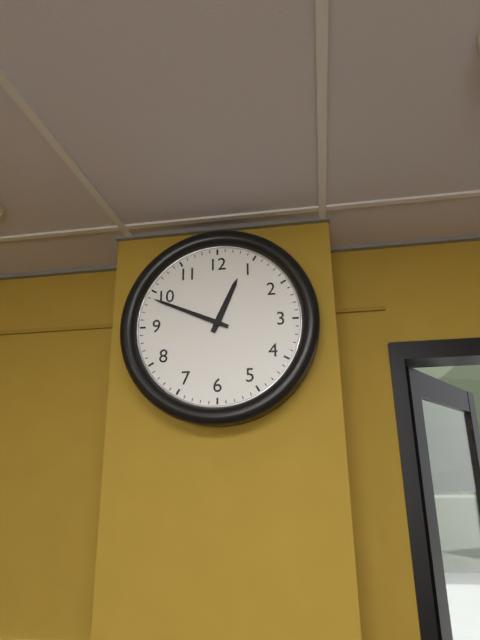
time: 12:49
